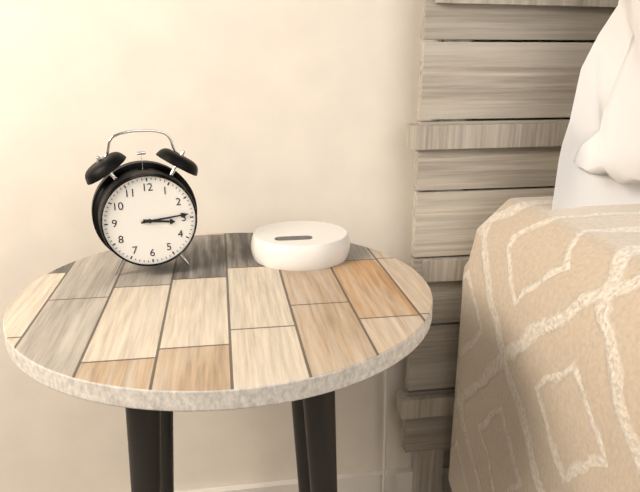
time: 3:14
